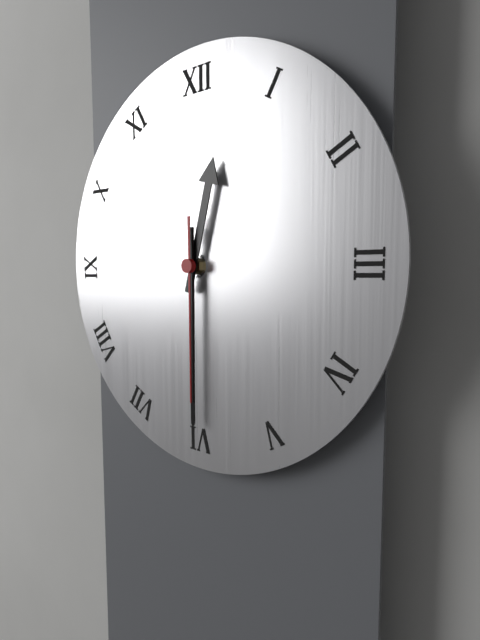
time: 12:30:30
